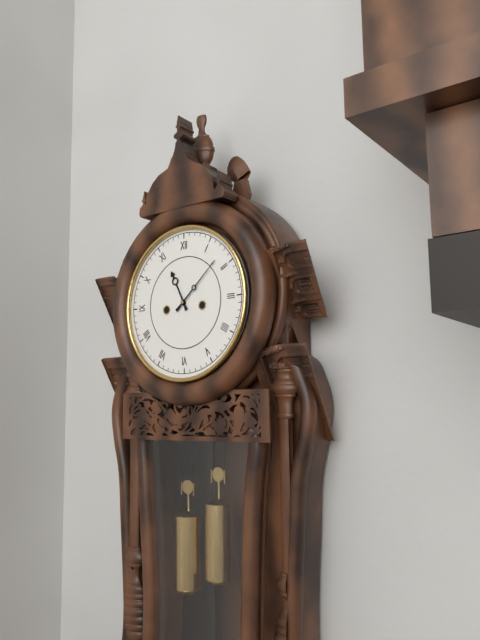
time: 11:08
